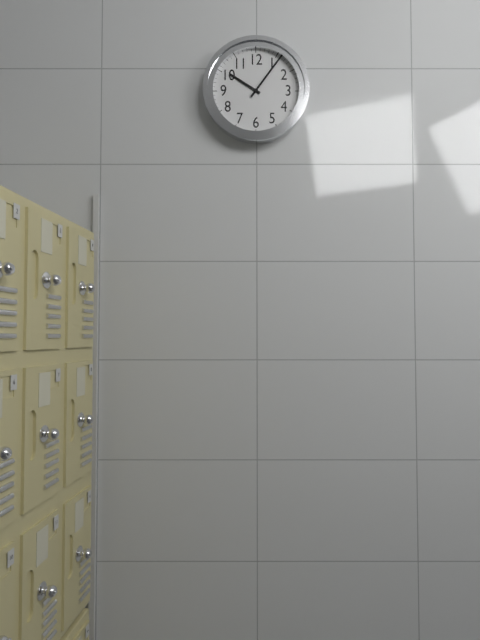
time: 10:06
